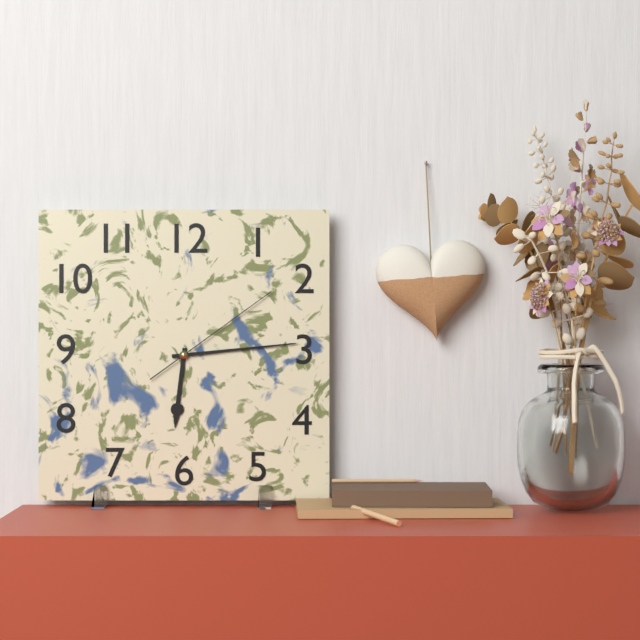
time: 6:14:09
